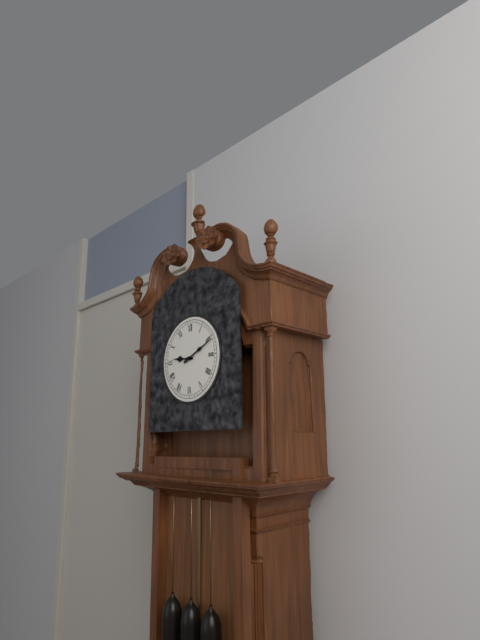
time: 9:11
